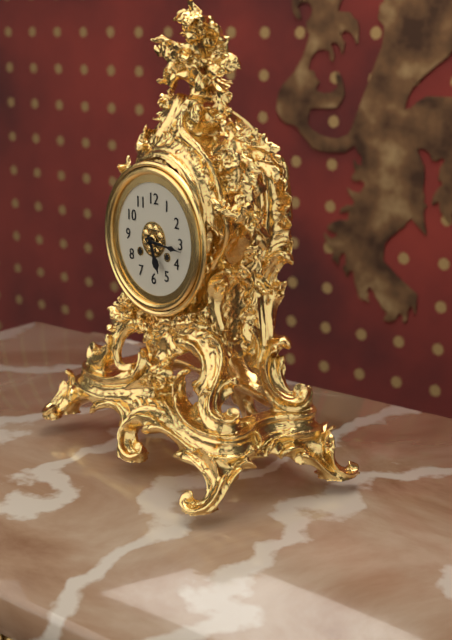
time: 5:16
